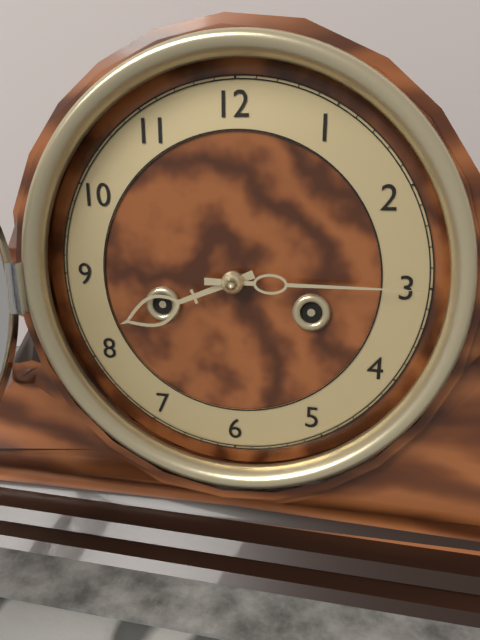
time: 8:15
